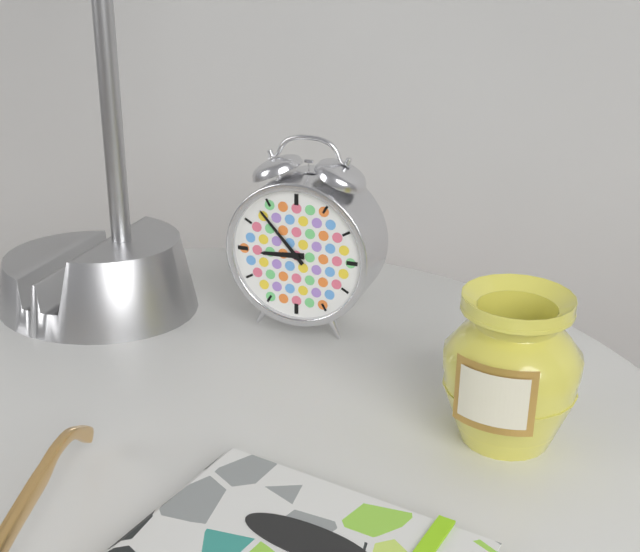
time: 8:53
